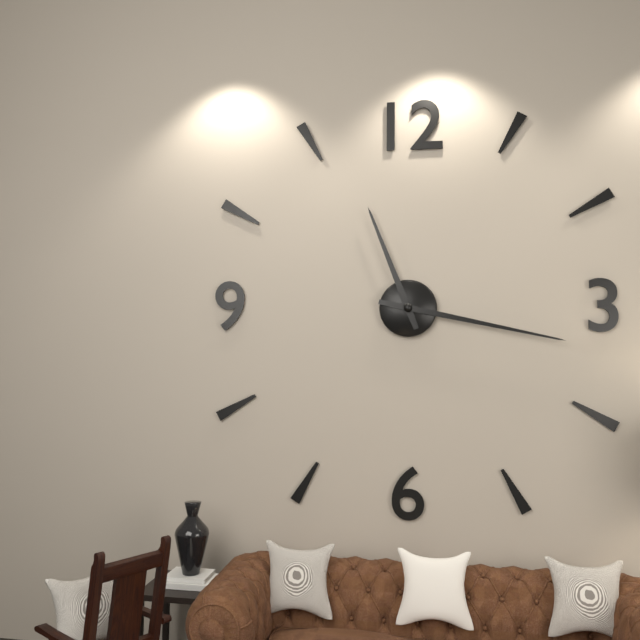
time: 11:17
